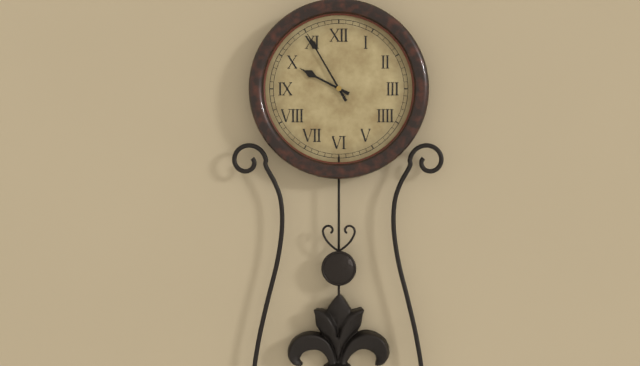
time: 9:55
